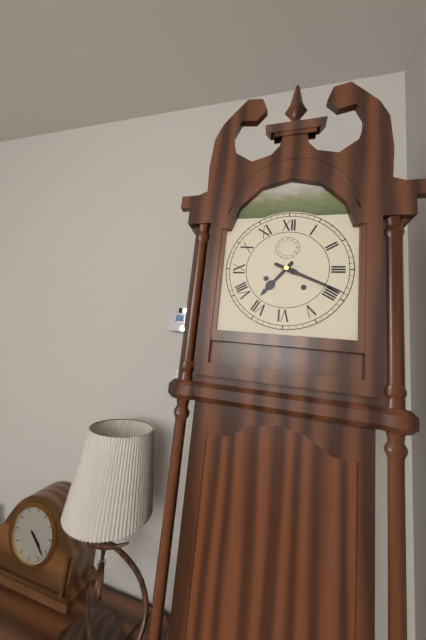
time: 7:19
